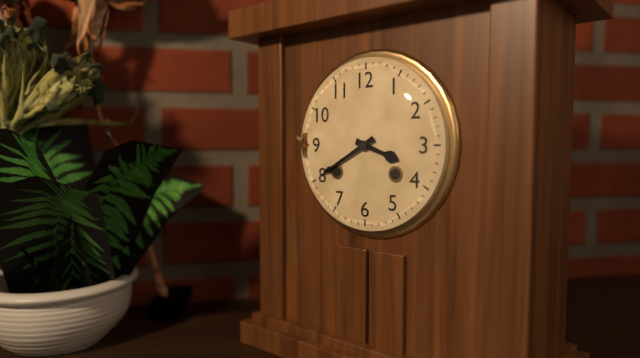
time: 3:40
